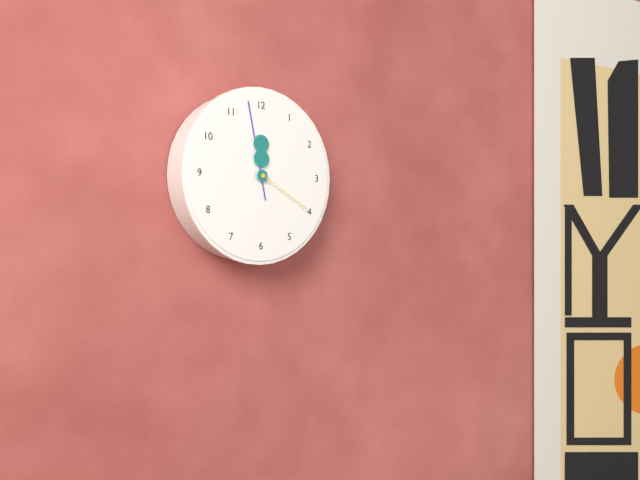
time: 11:58:20
